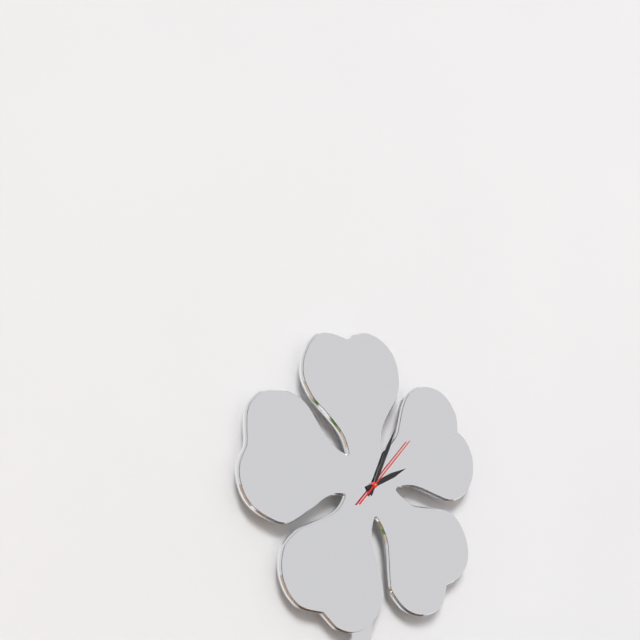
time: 2:04:07
